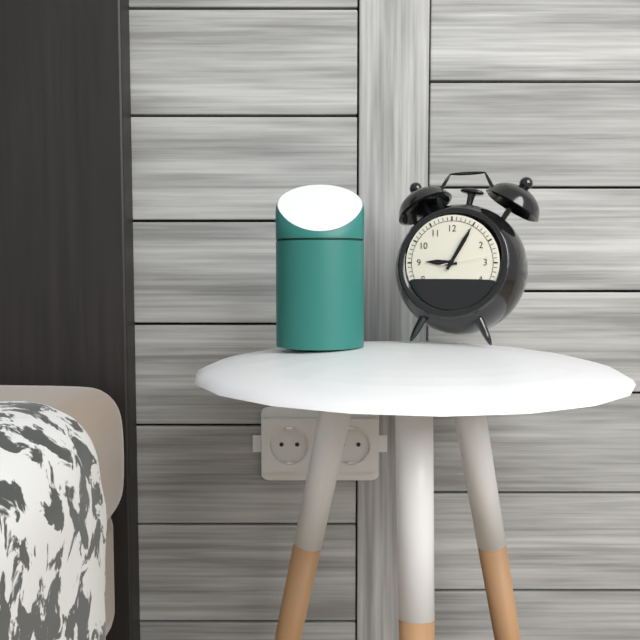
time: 9:05:13
